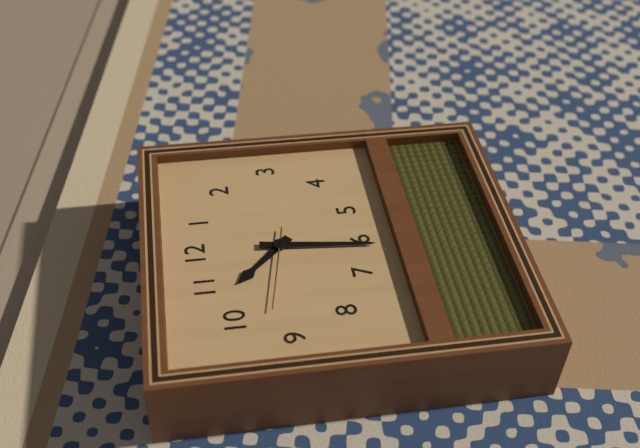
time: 10:31:47
